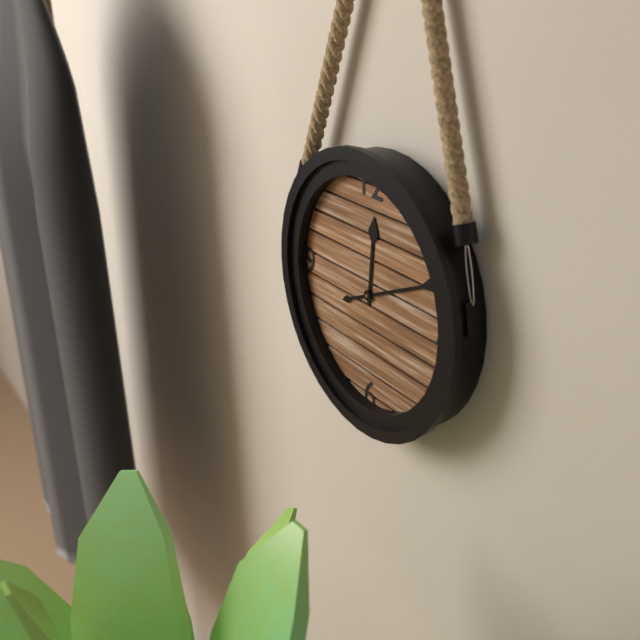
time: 12:11
